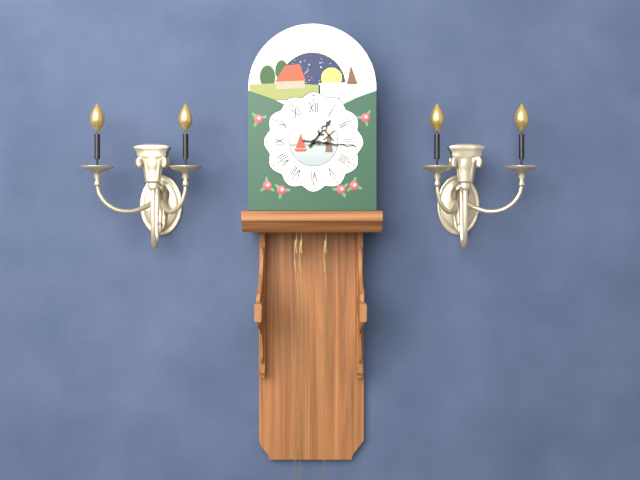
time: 1:16
